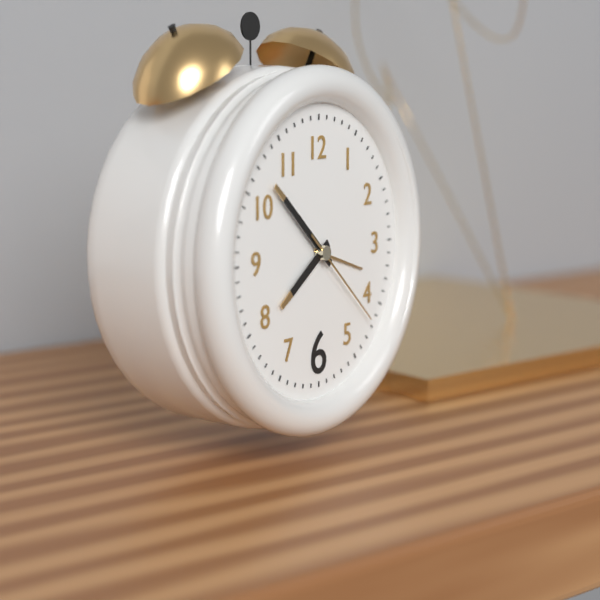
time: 7:52:22
